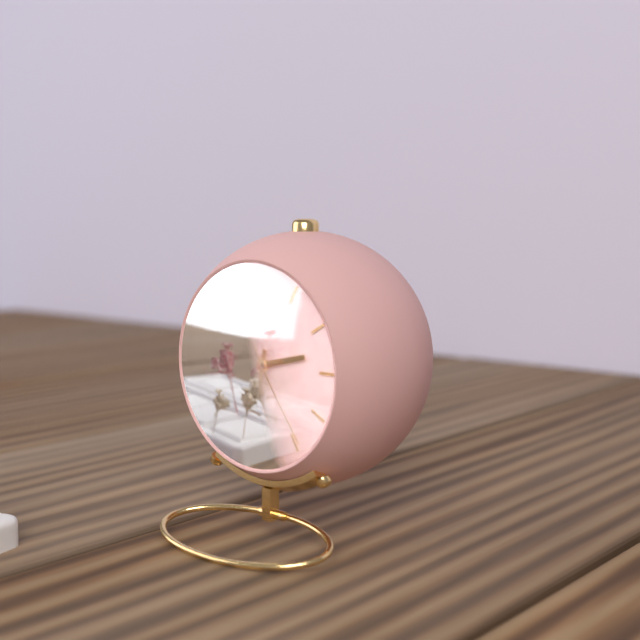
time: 2:33:24
